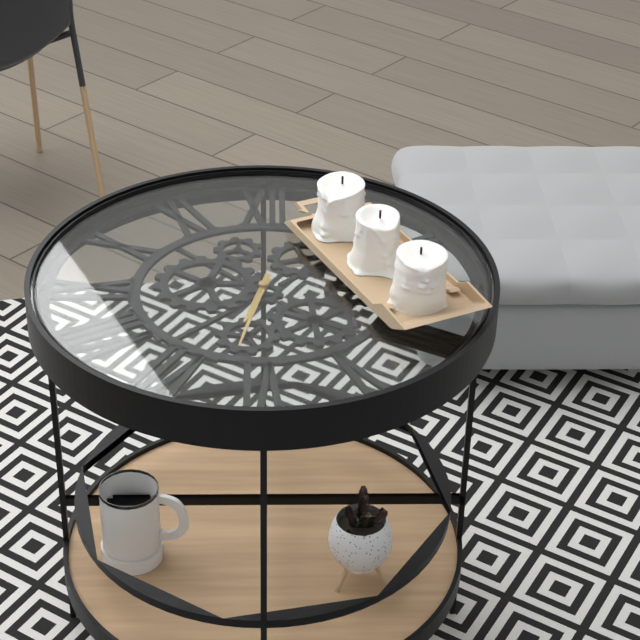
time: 6:32
